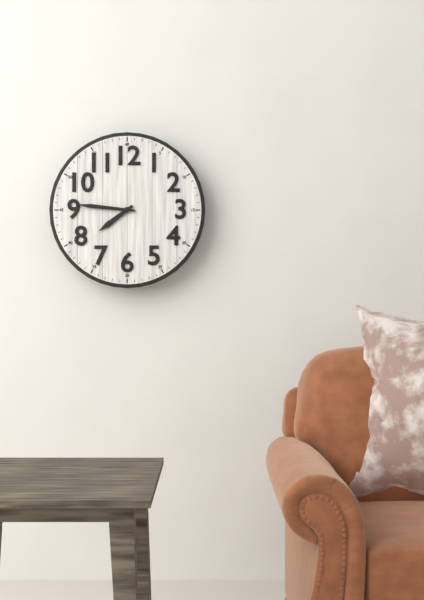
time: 7:46
